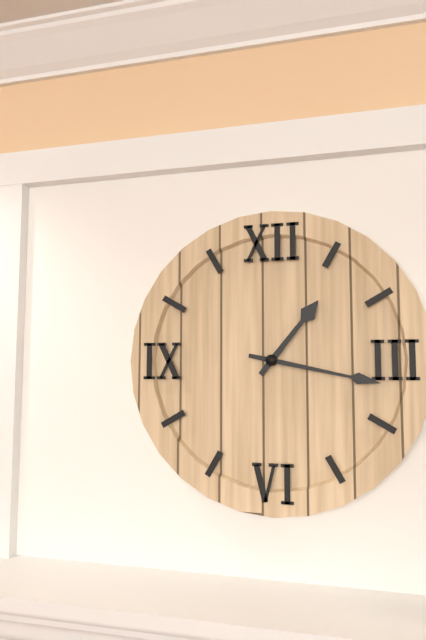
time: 1:17
